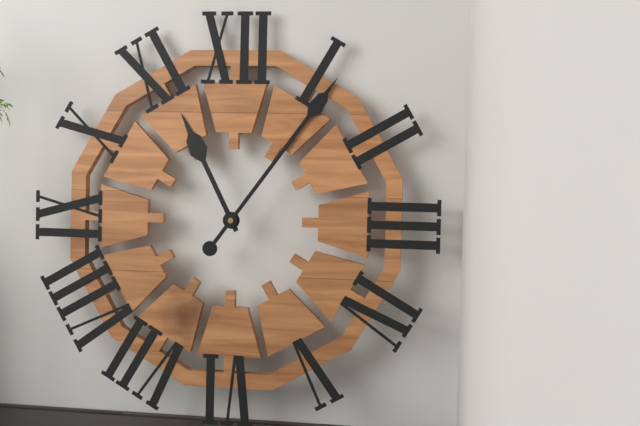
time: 11:06
